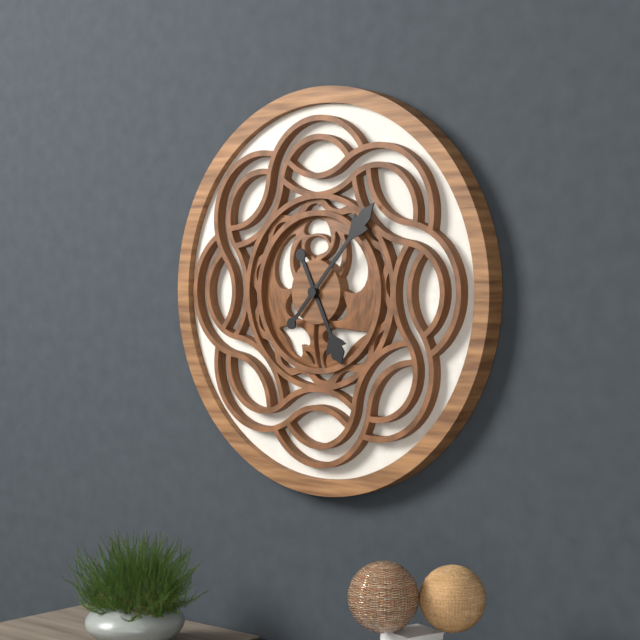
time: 5:07
